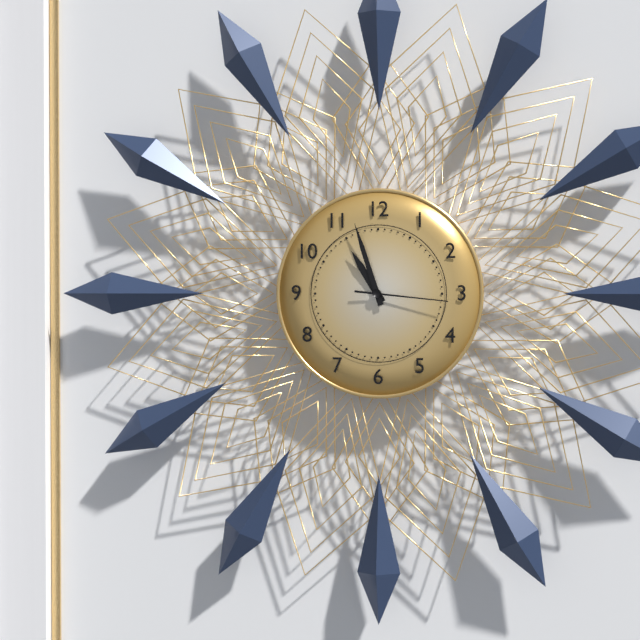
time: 10:57:16
